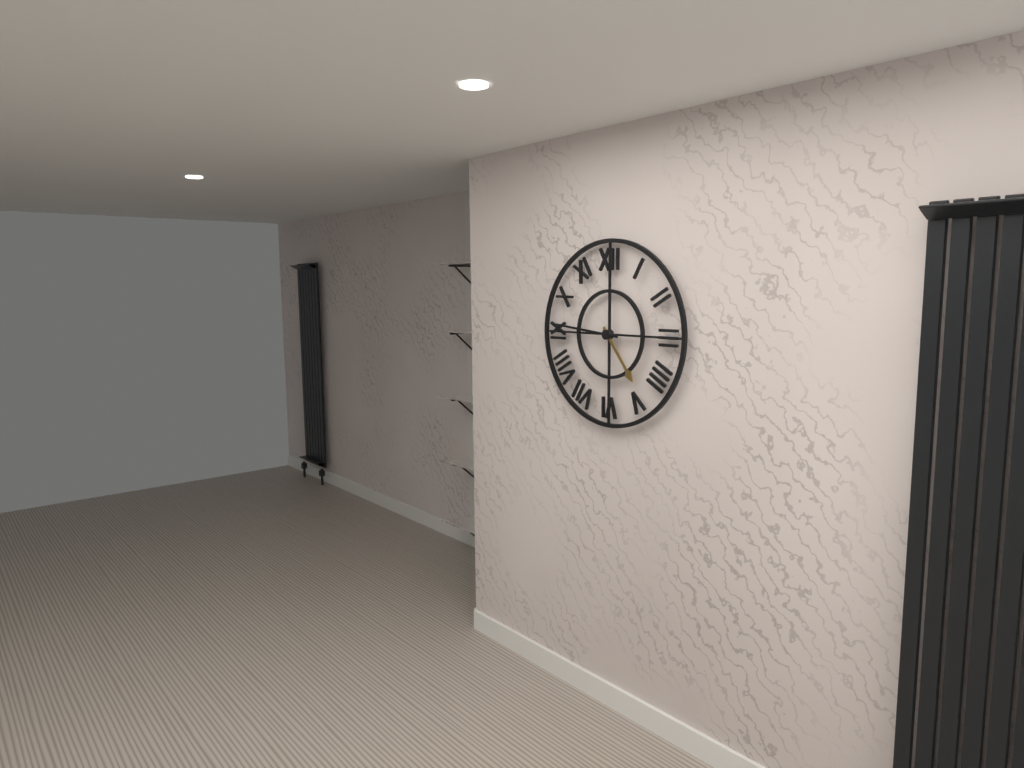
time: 4:46
